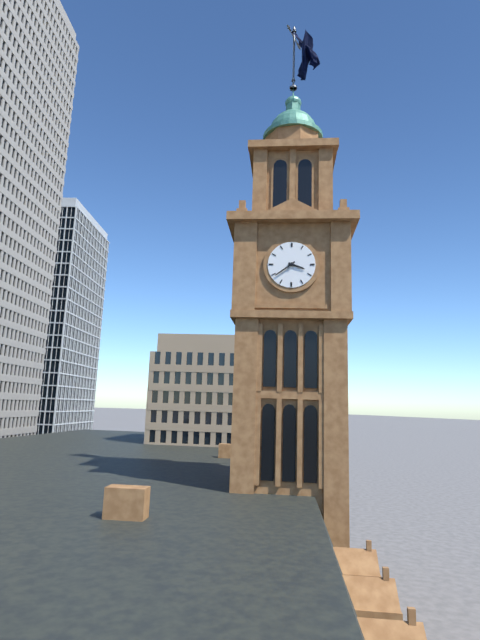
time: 3:39
